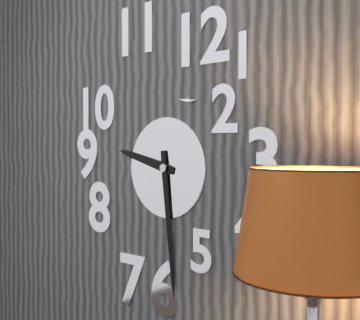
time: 9:29
